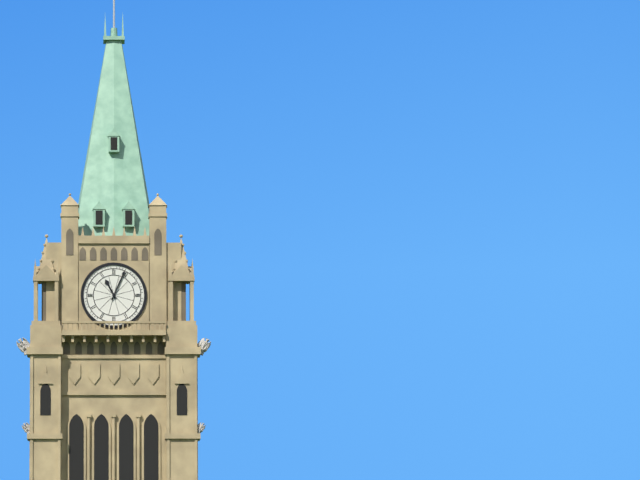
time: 11:04
